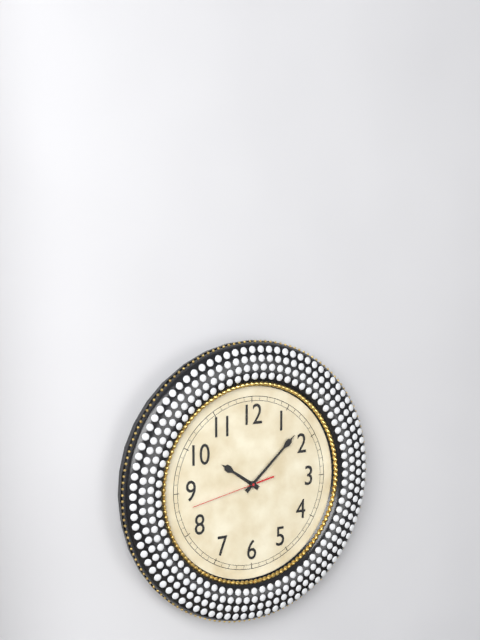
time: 10:08:43
